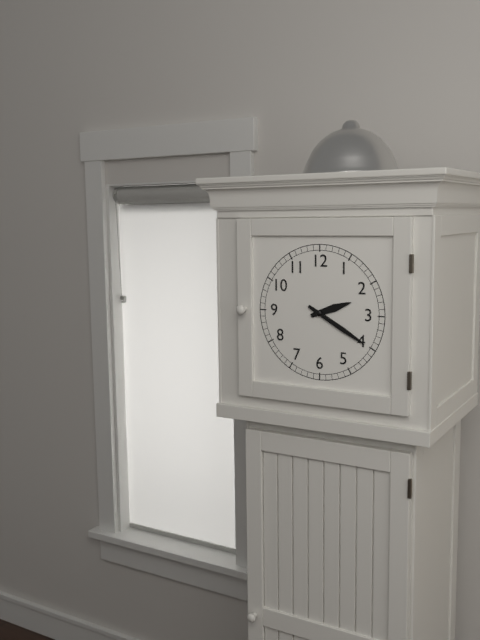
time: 2:20
